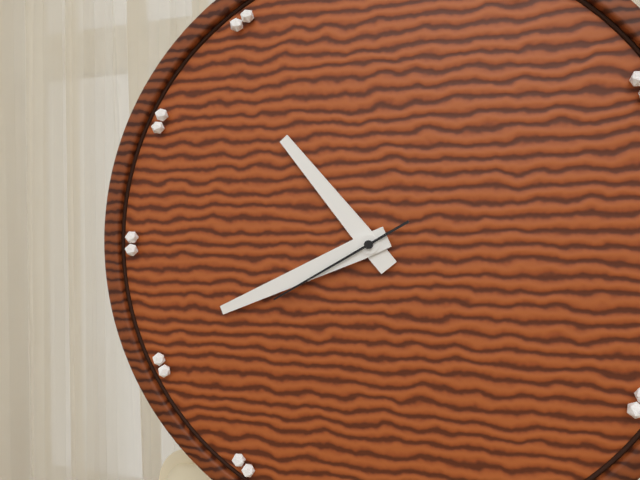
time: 10:41:40
